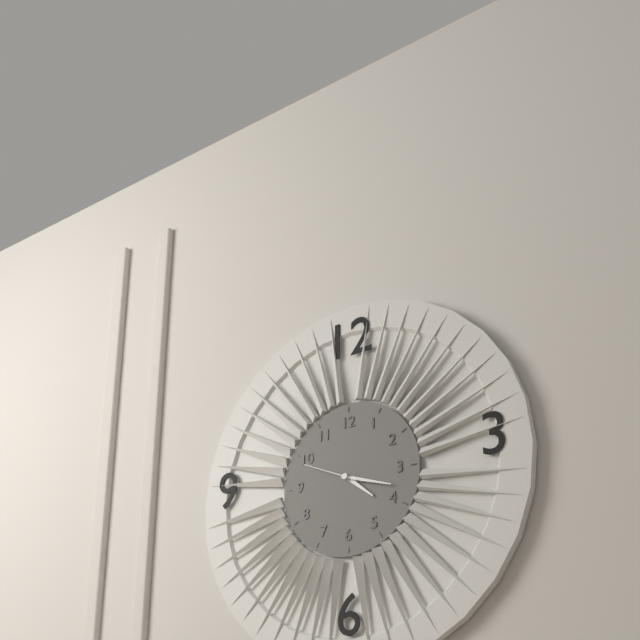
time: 4:18:49
